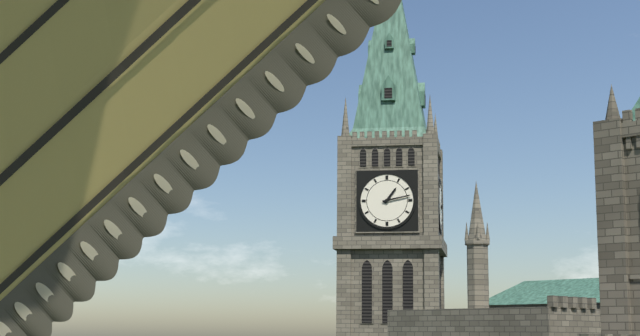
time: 1:13
